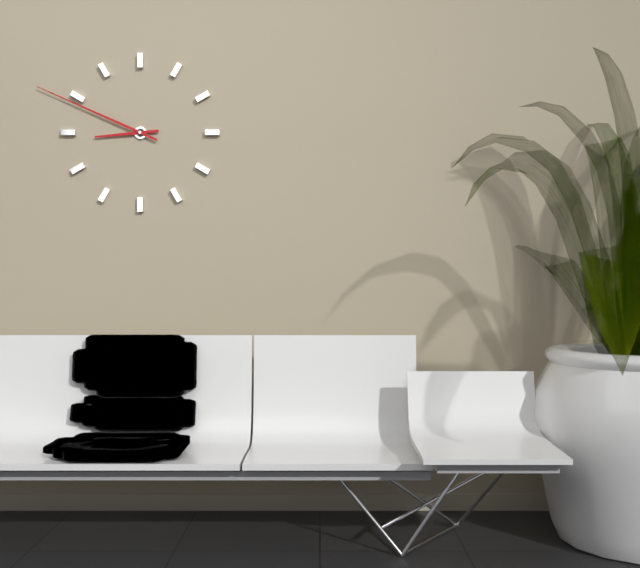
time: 8:49
